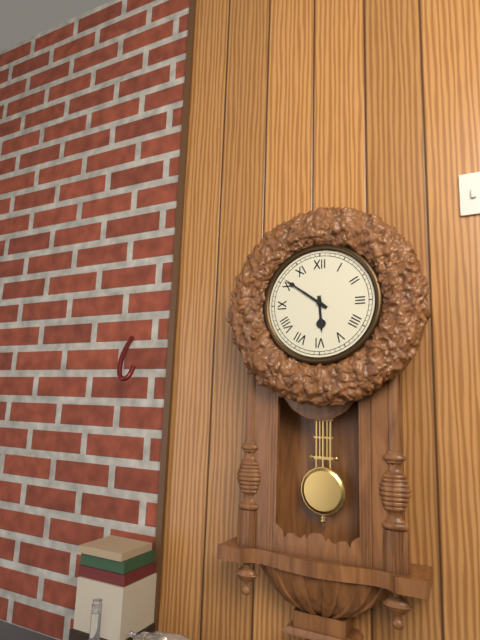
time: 5:51
